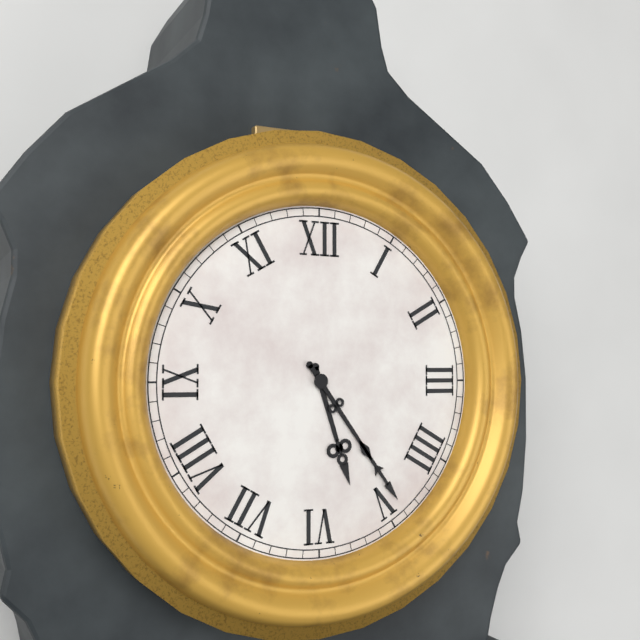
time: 5:24
